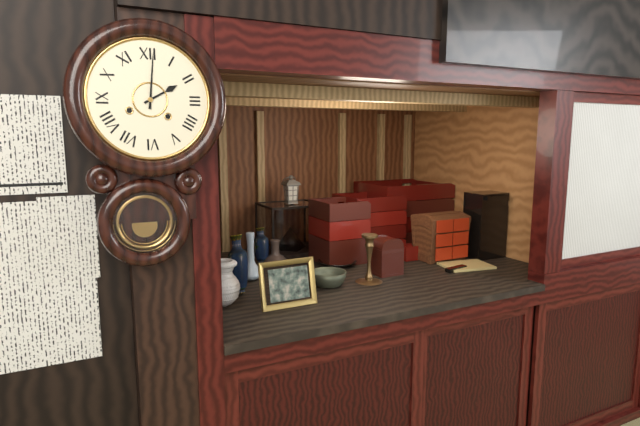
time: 2:01
